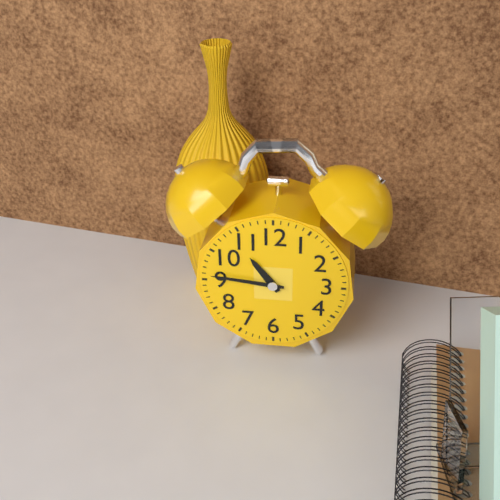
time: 10:46
